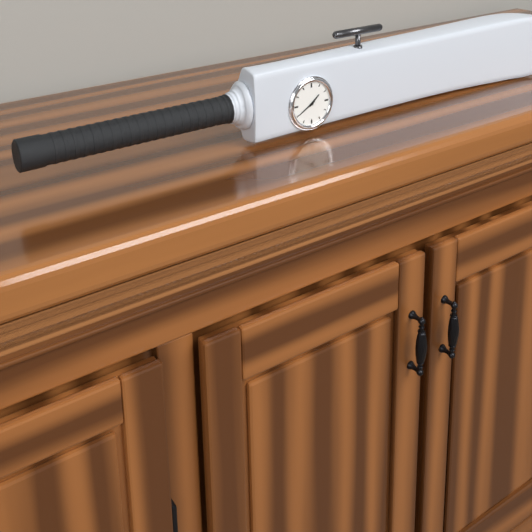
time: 1:40
